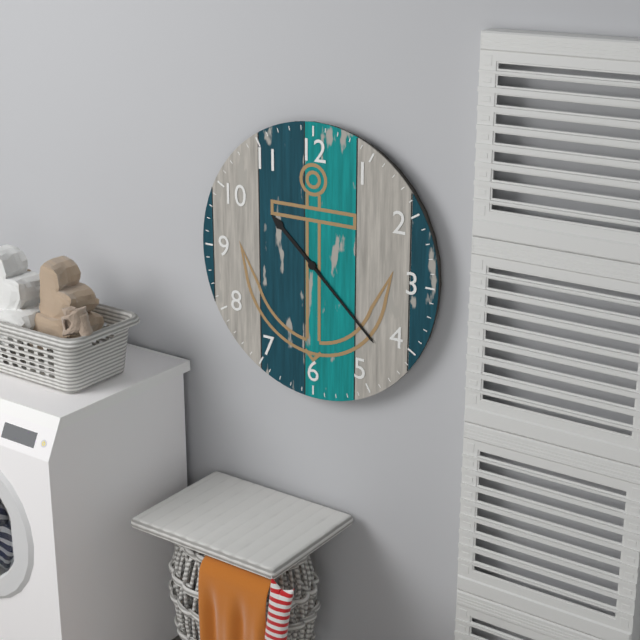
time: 10:22
